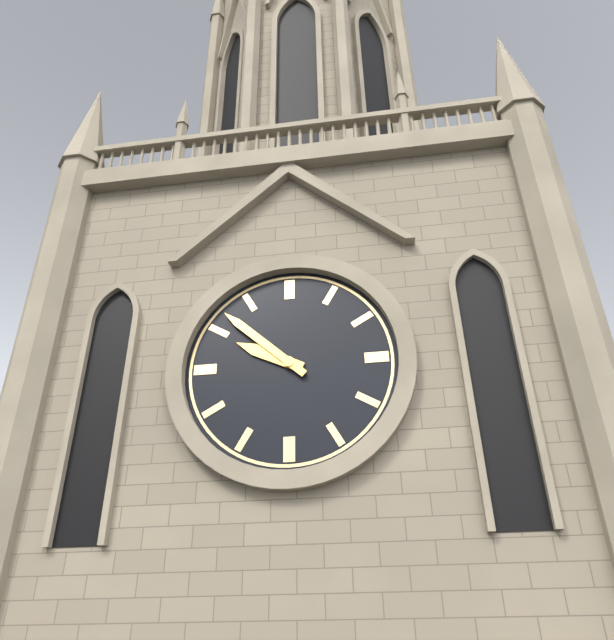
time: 9:52
